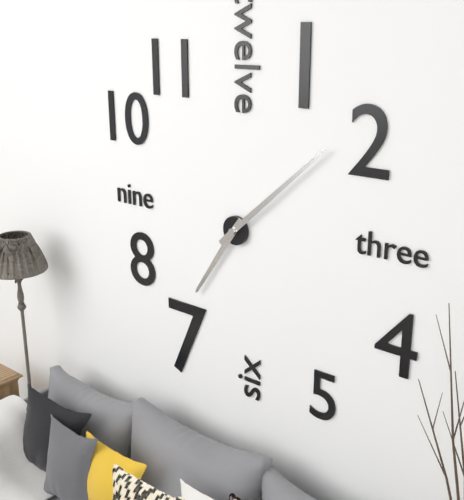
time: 7:08
